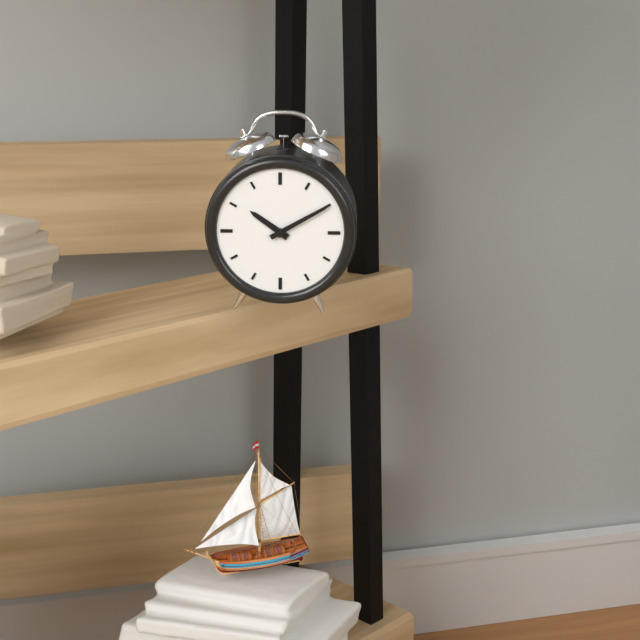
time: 10:10
